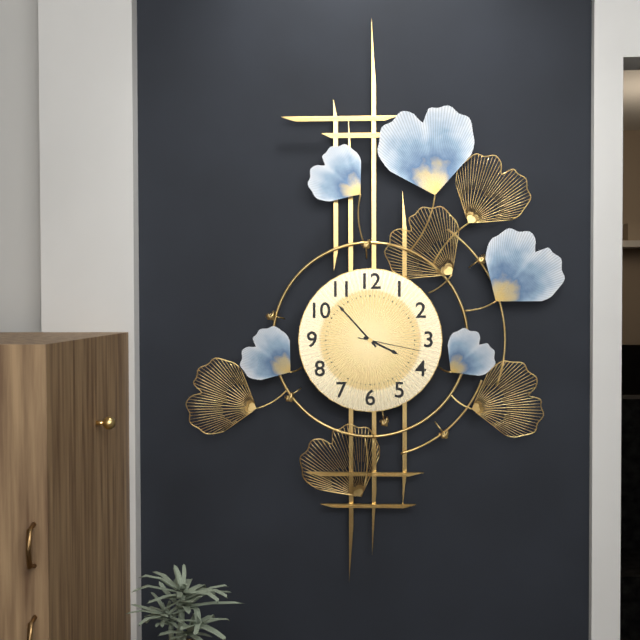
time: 3:53:17
